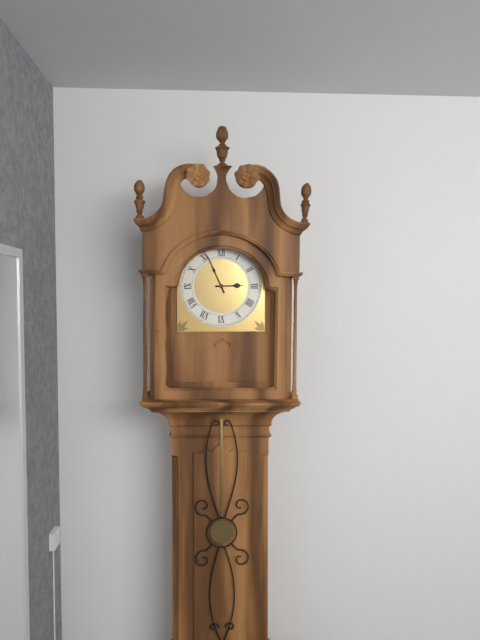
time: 2:56
